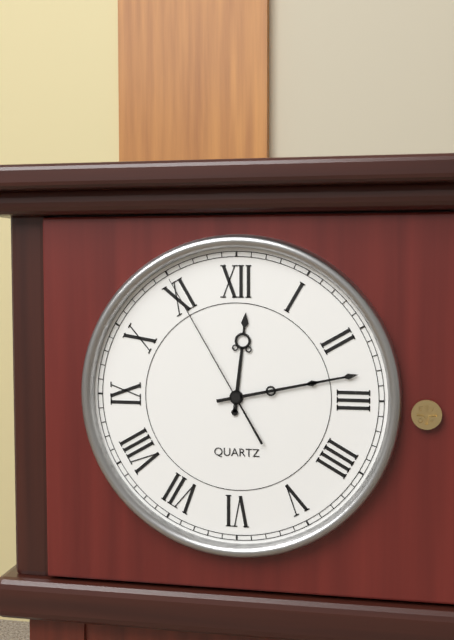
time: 12:13:55
